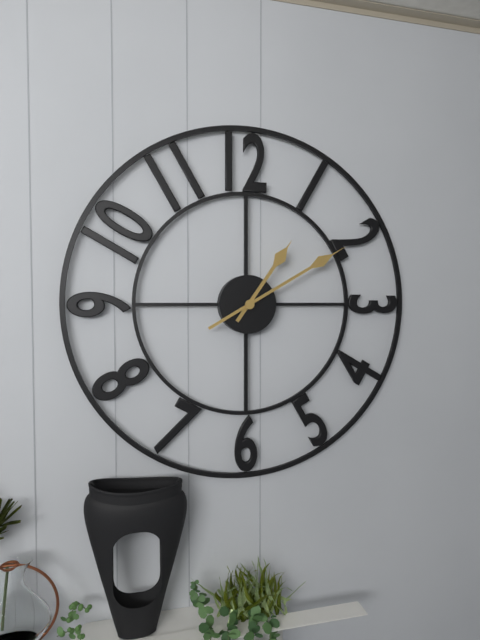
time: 1:10
